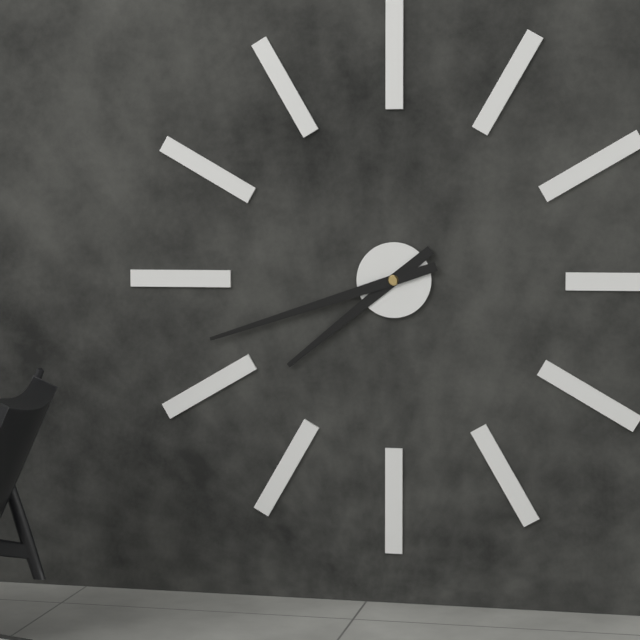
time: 7:42
